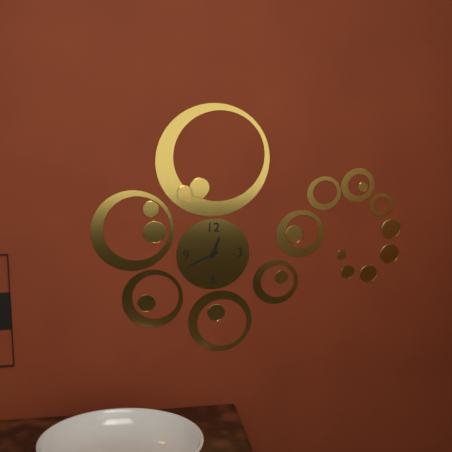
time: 12:41
